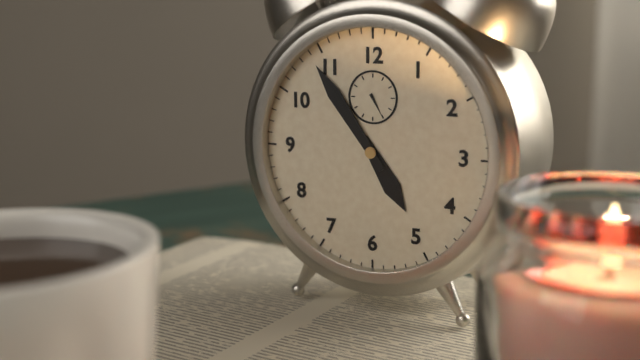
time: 4:54
